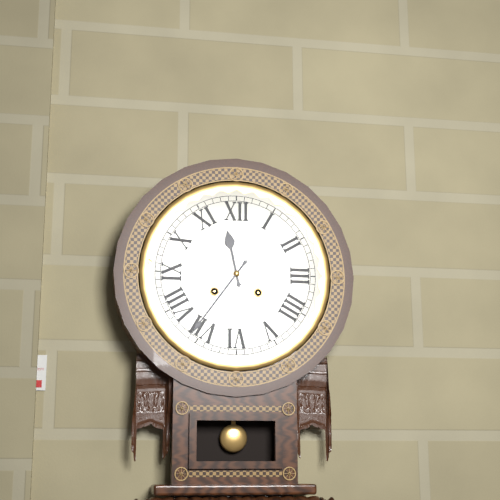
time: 11:36
